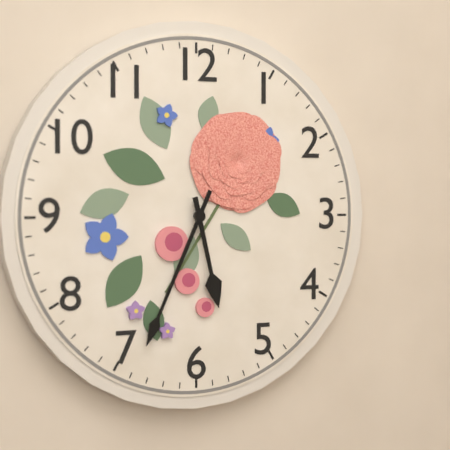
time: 5:34
